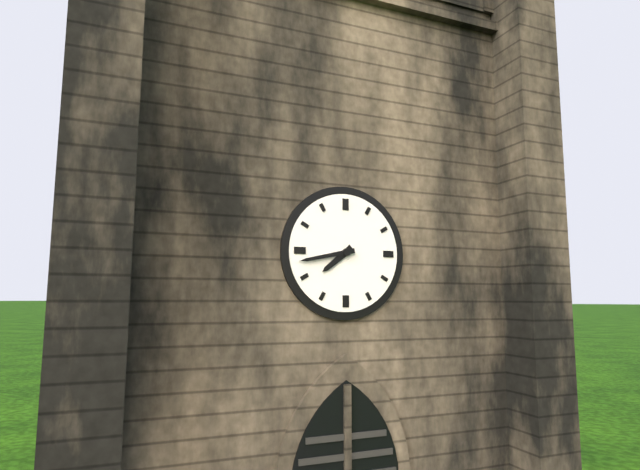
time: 7:43
